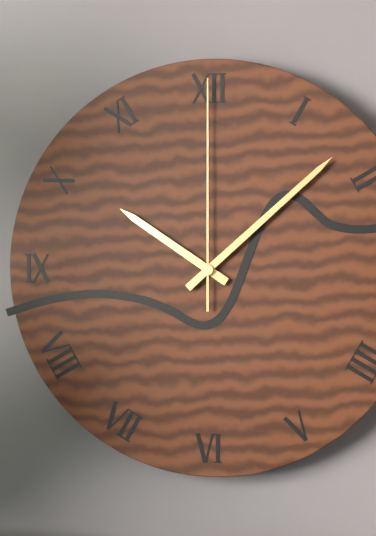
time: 10:08:00
